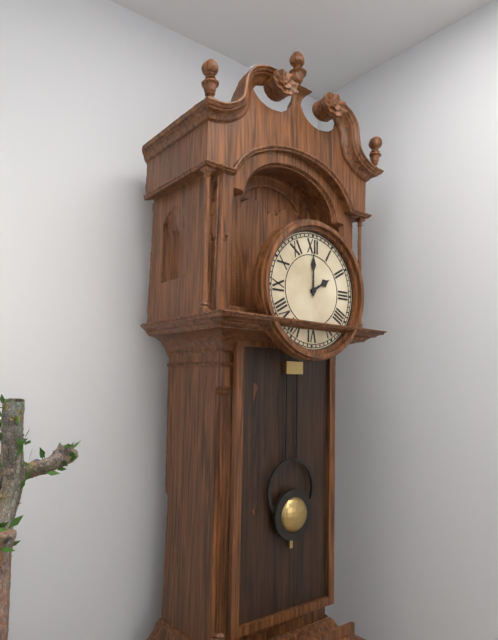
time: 2:00
